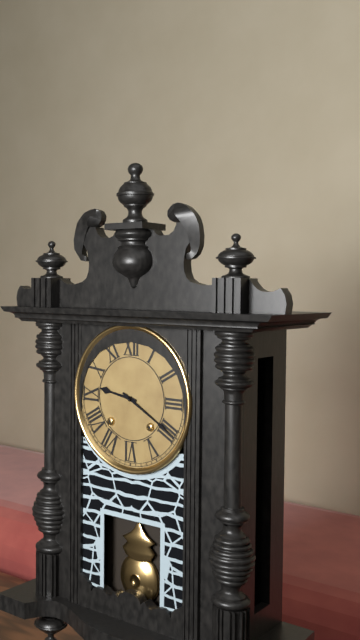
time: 9:20
